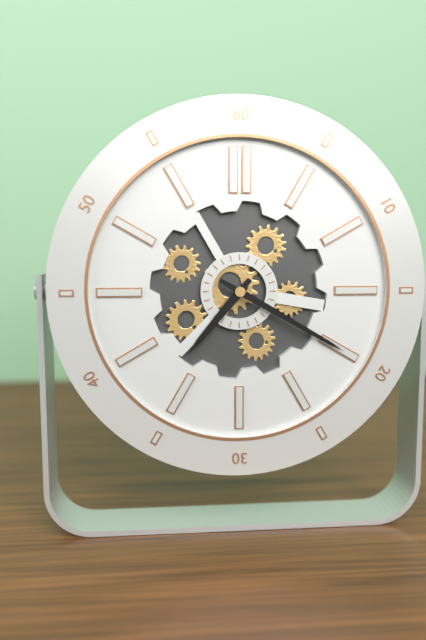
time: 7:20
